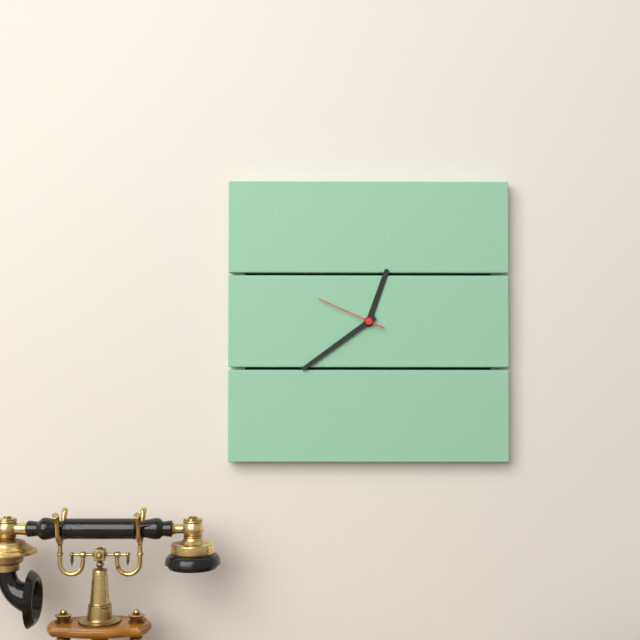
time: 12:39:49
